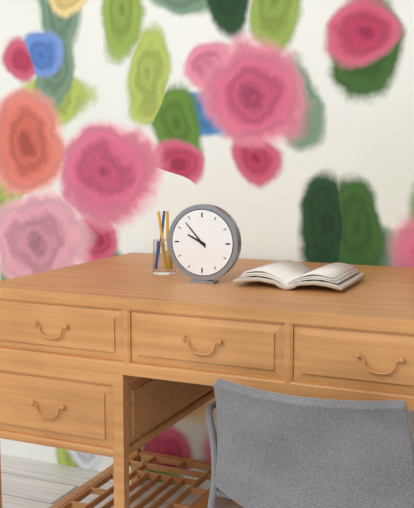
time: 9:53
